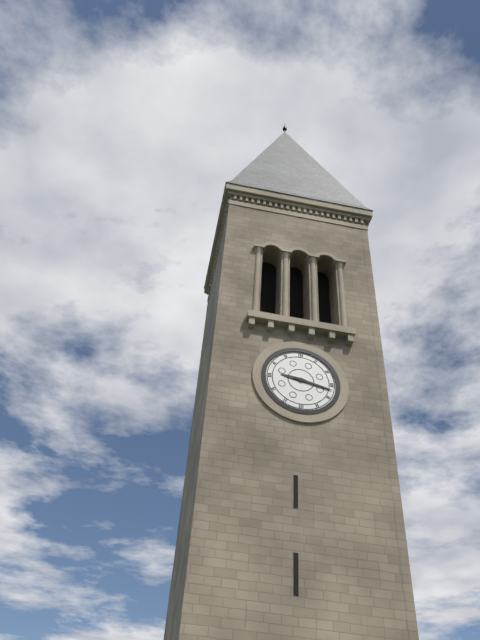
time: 9:17
